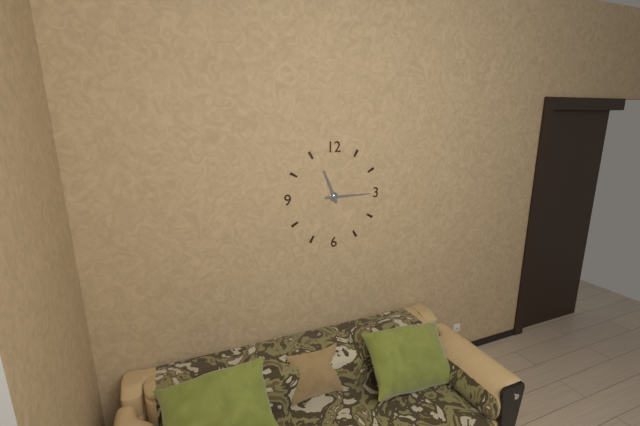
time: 11:15
